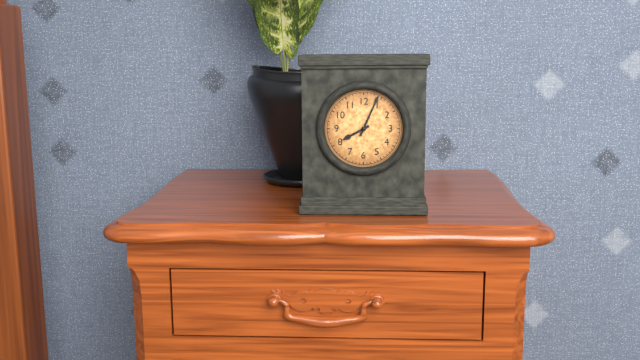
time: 8:04
